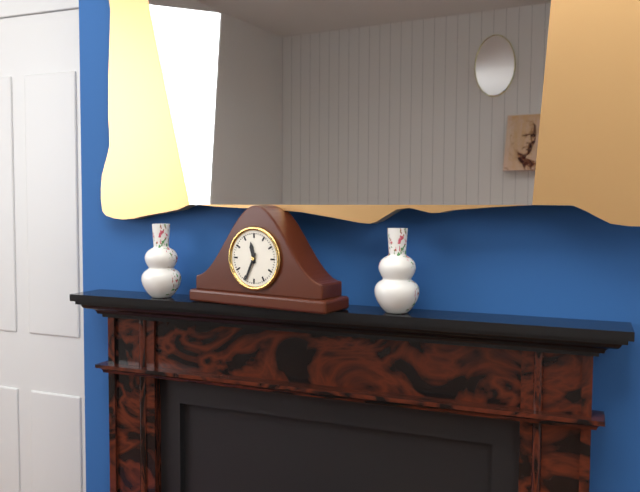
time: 11:34
